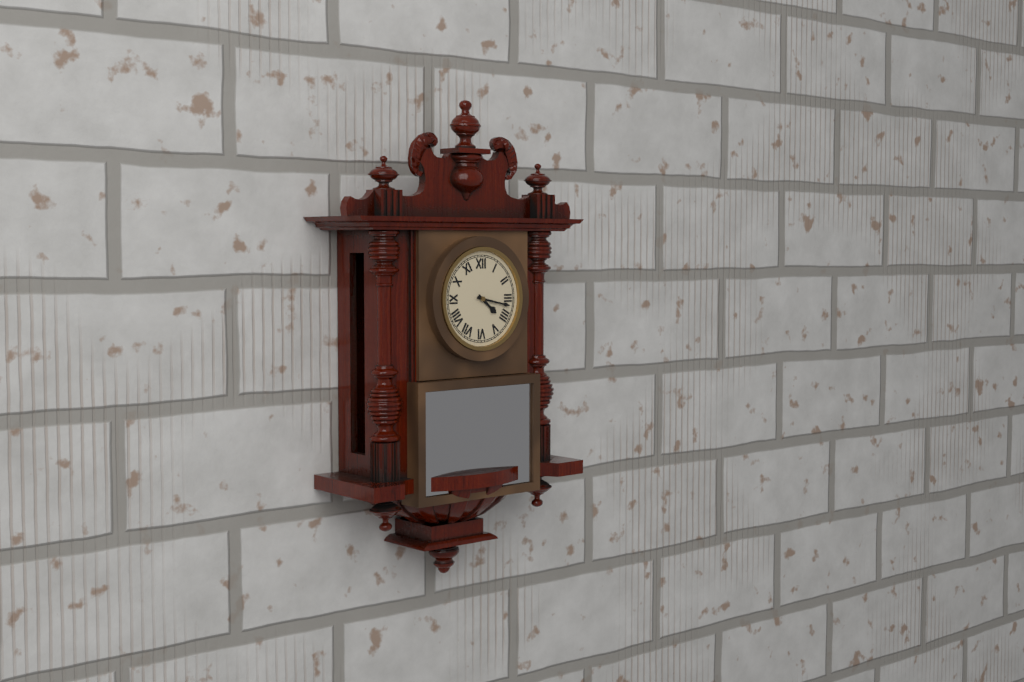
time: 4:17
